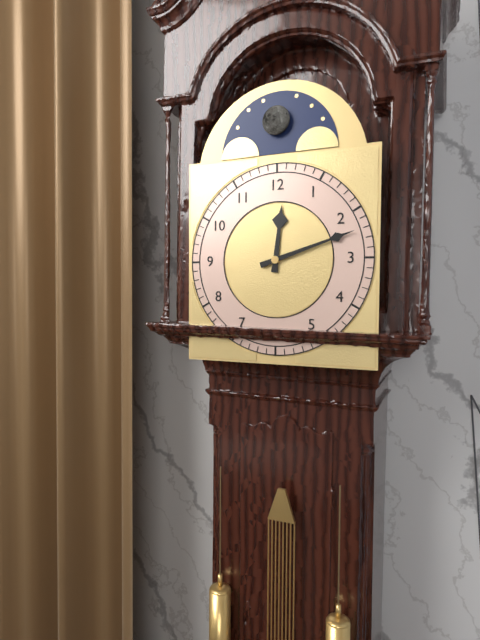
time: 12:12
